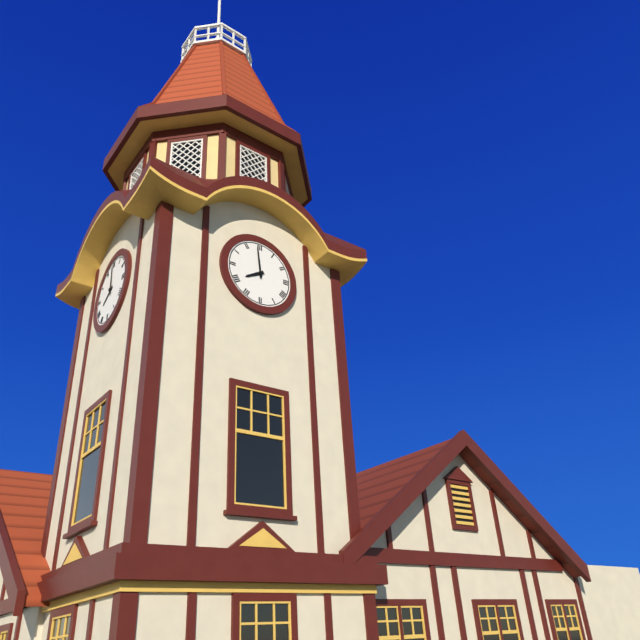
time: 7:59
